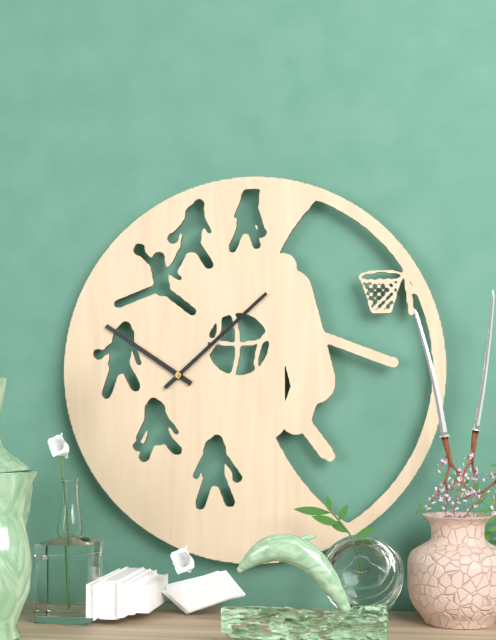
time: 10:08
